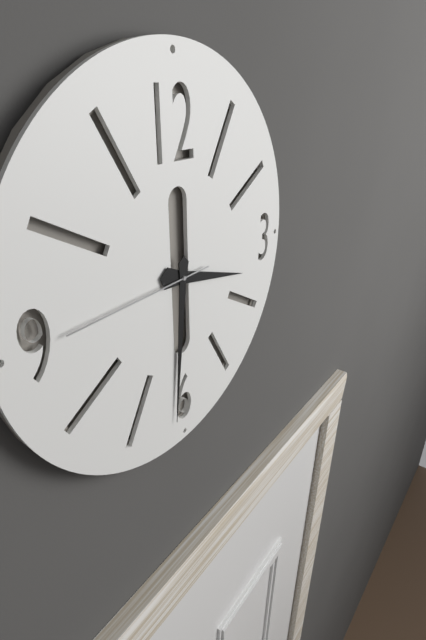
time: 3:31:45
